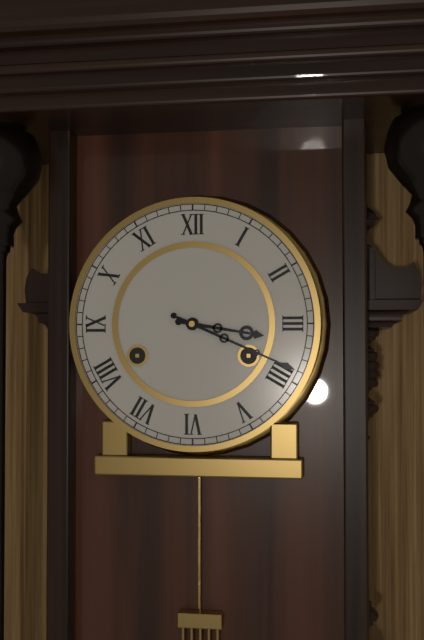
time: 3:19
